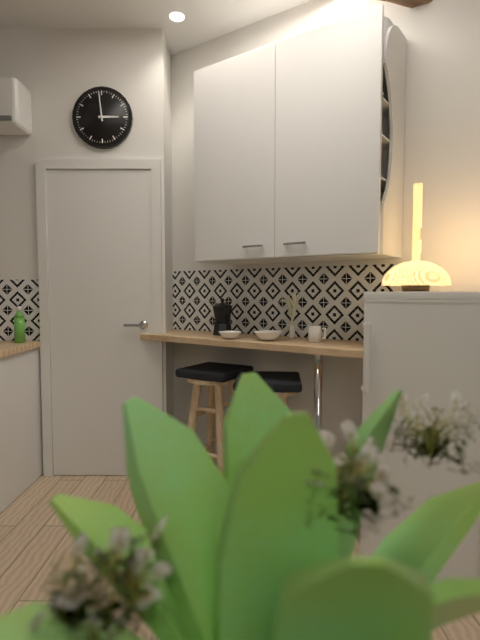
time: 2:59
